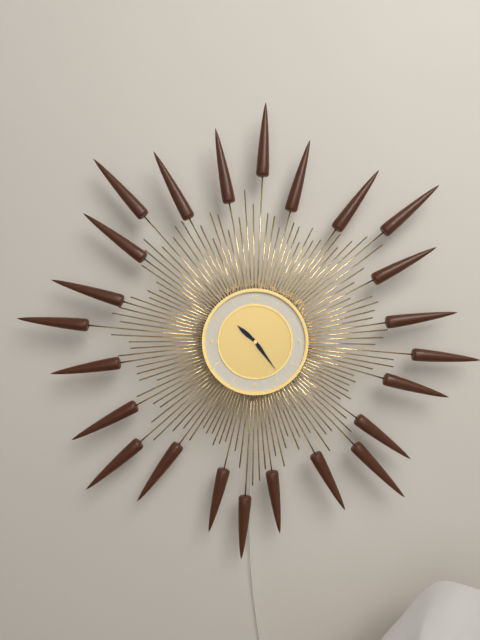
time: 10:24
